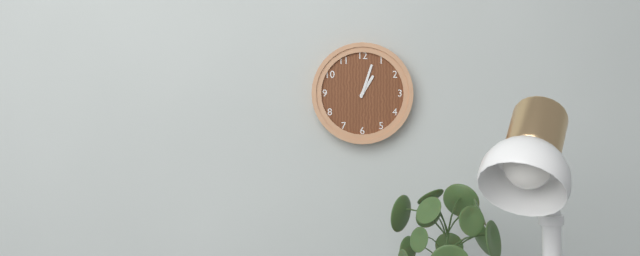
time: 1:03
